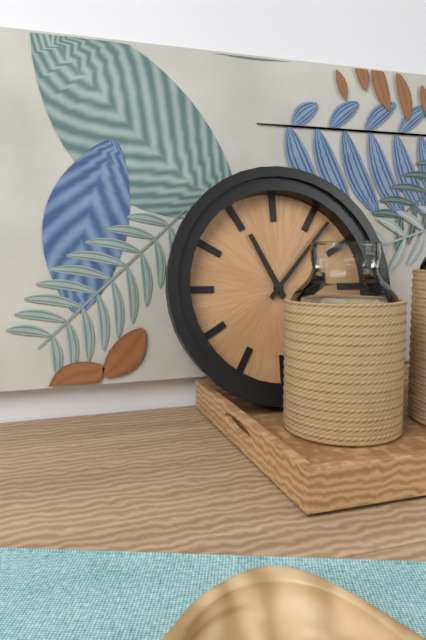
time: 11:07
